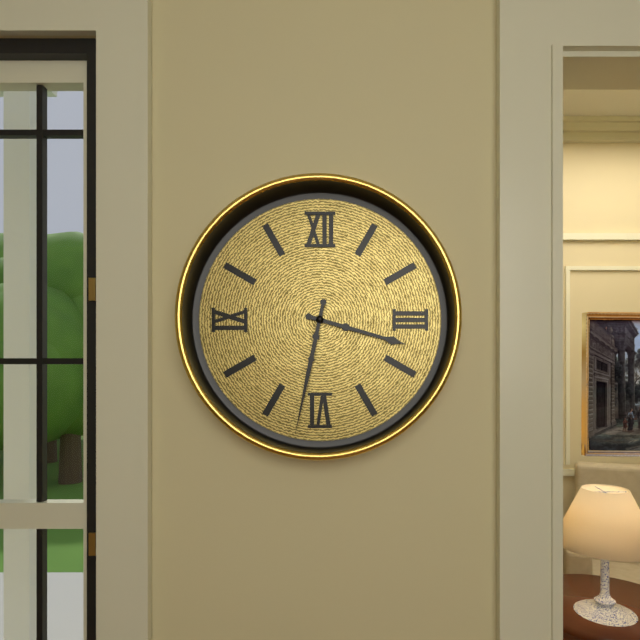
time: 3:32
